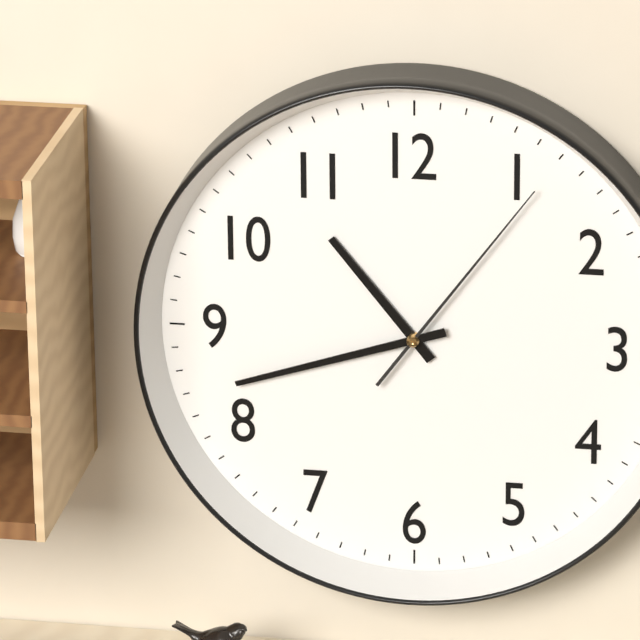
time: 10:42:06
